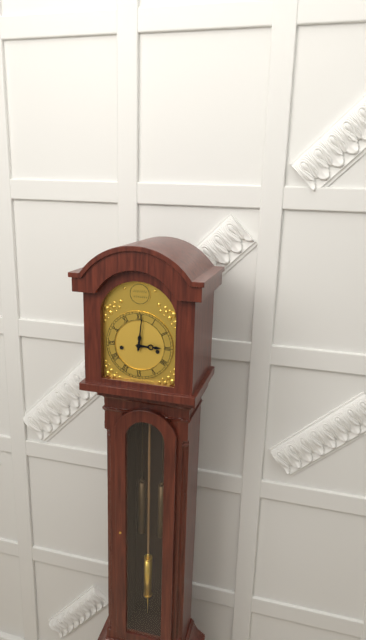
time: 3:01
